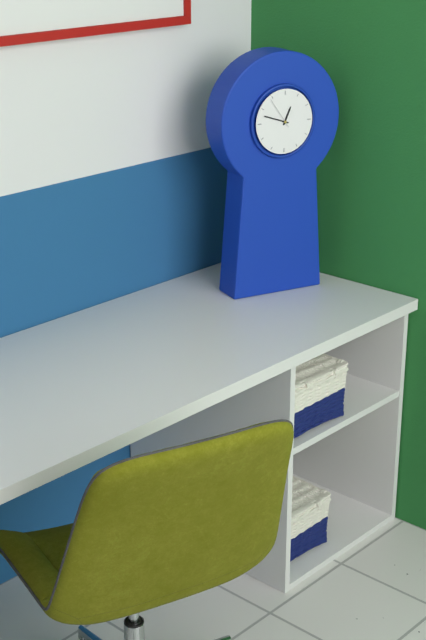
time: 12:48
